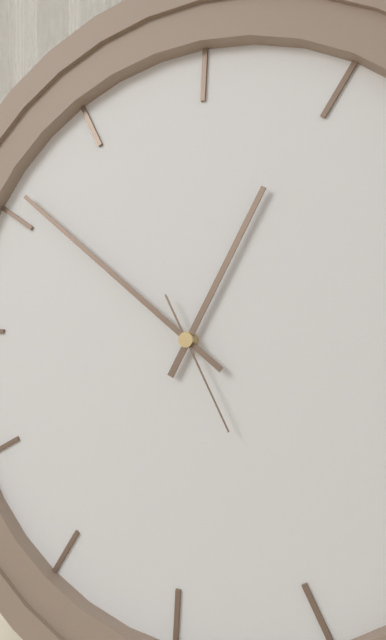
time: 12:51:25
